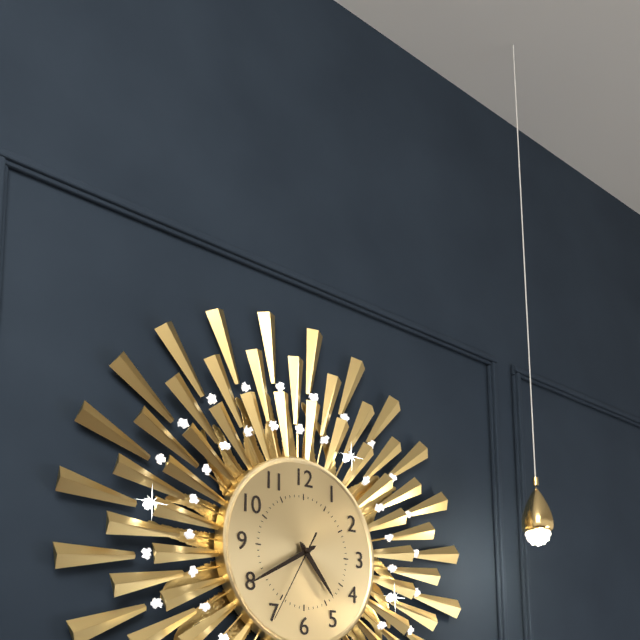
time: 4:40:35
